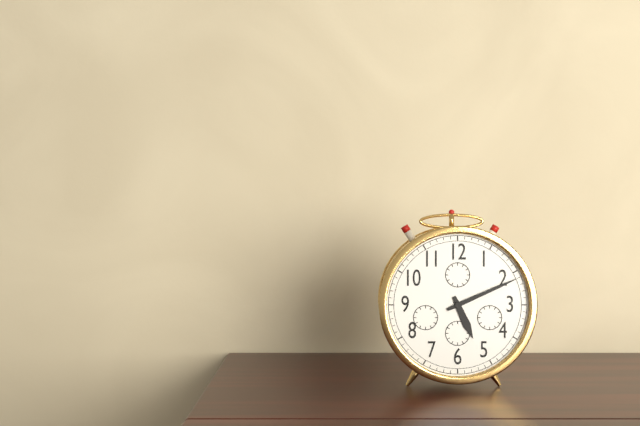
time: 5:11
